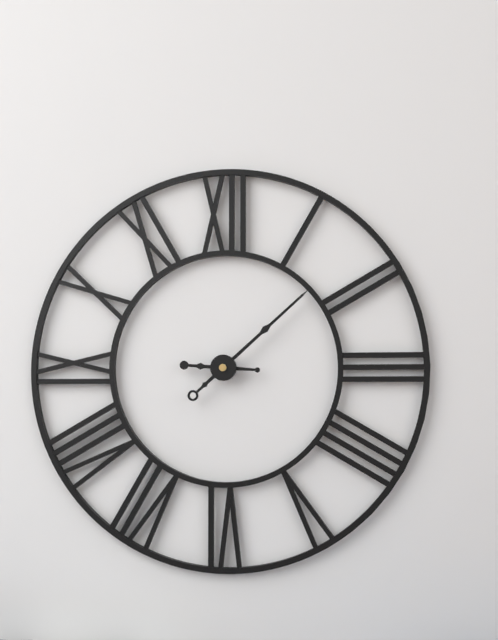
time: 9:08
